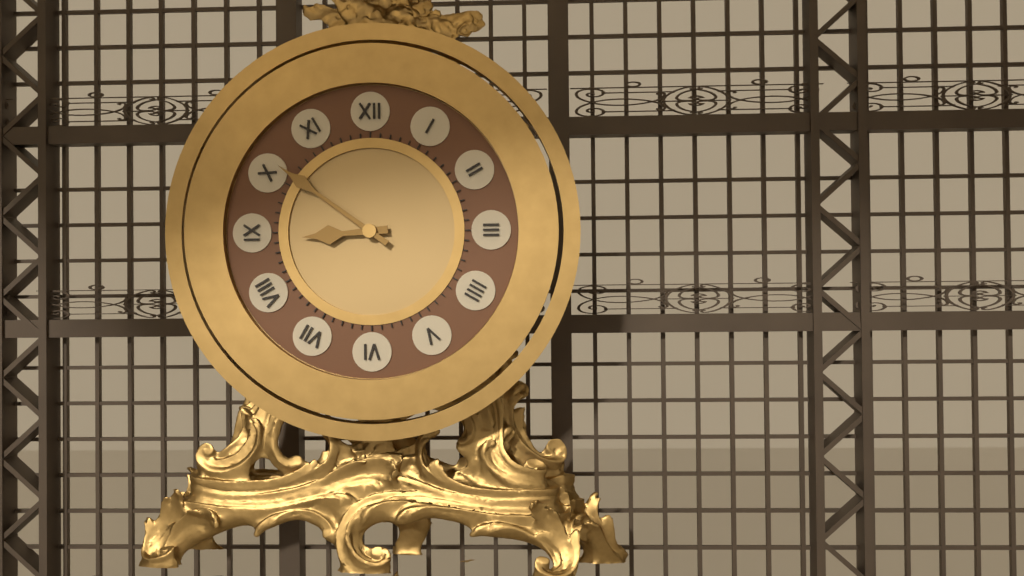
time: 8:51
